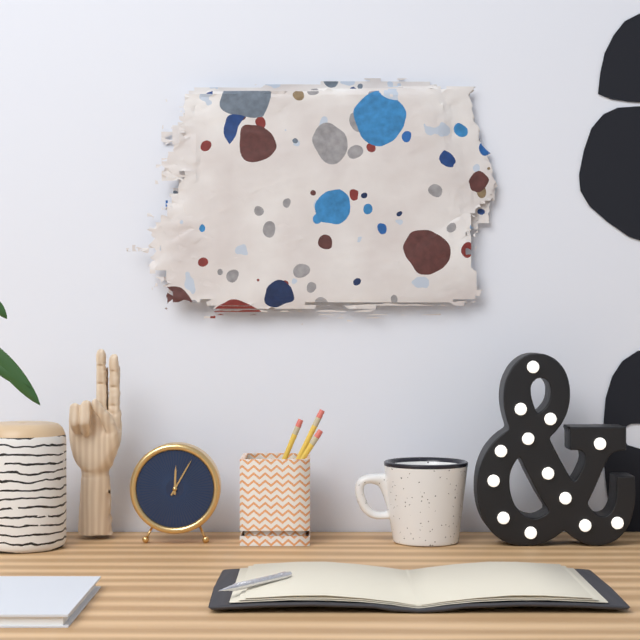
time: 12:05
